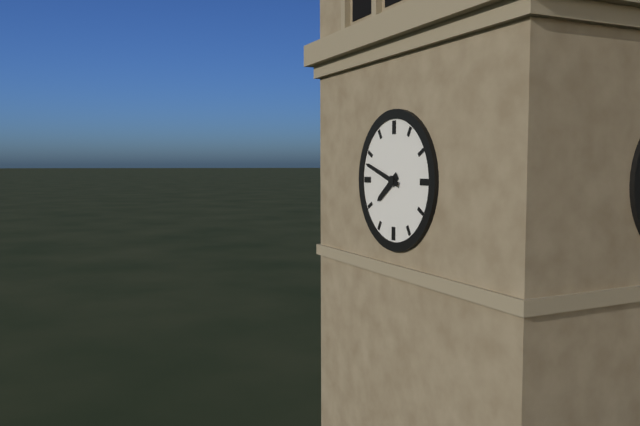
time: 7:48
